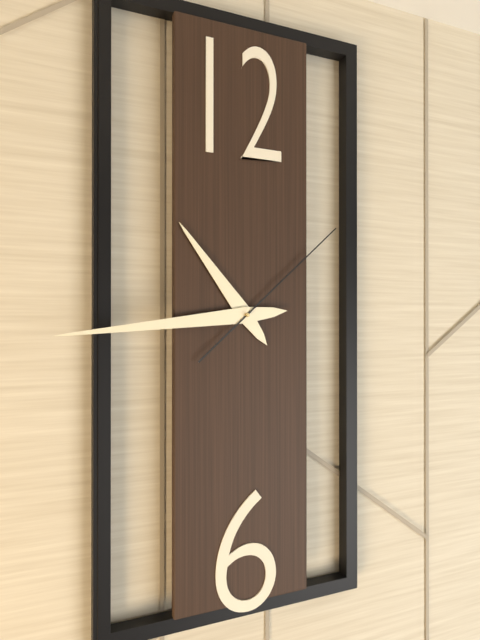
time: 10:44:08
